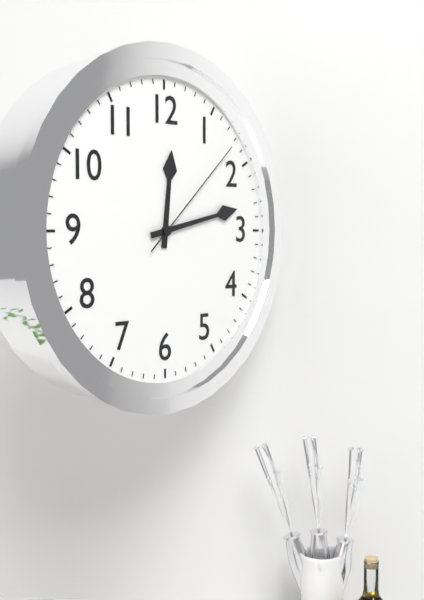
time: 12:13:08
